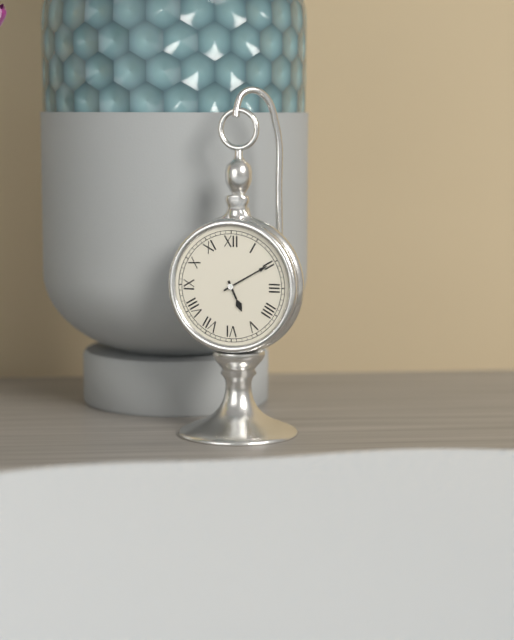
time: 5:10
